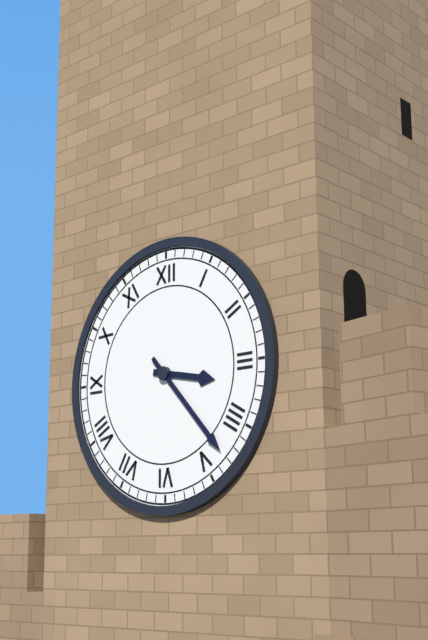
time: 3:23
